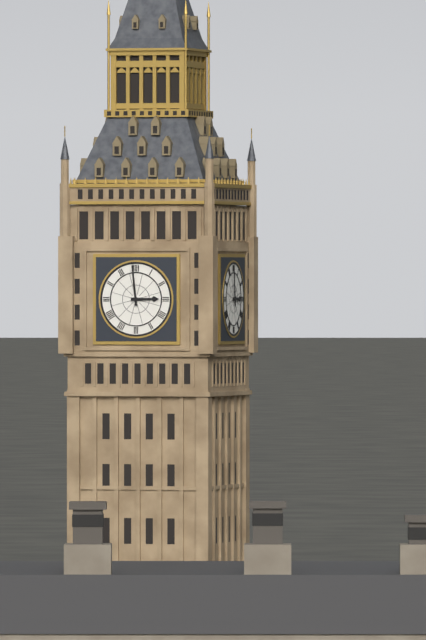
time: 2:59
